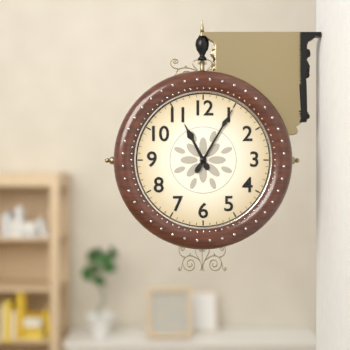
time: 11:05
